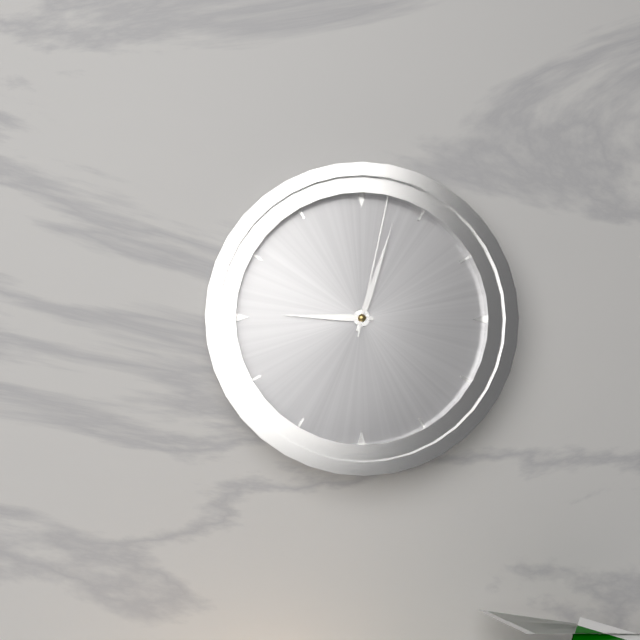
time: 9:03:02
